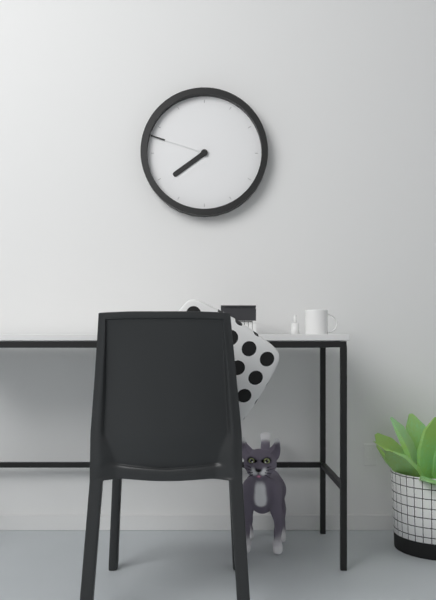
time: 7:48
